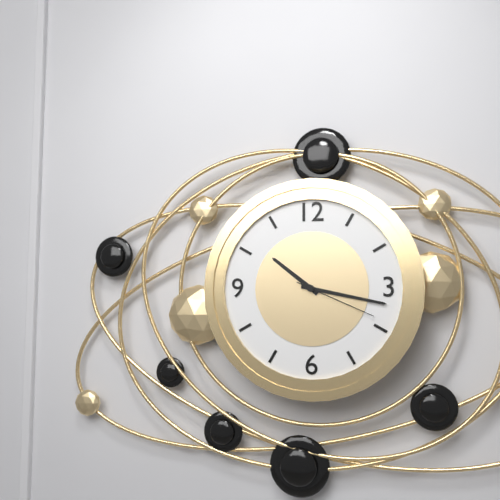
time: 10:17:19
